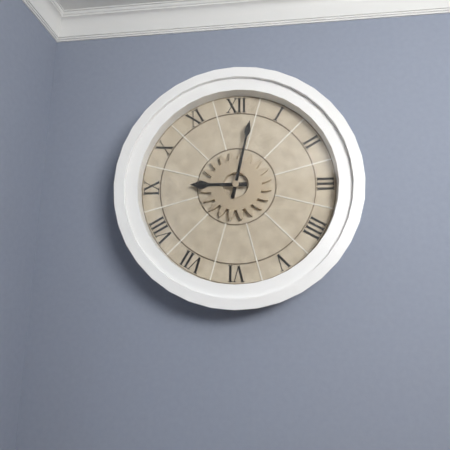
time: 9:02
